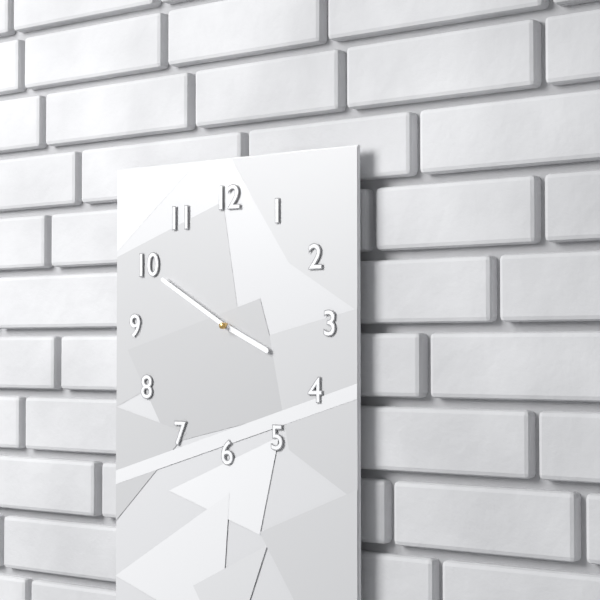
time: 3:50
